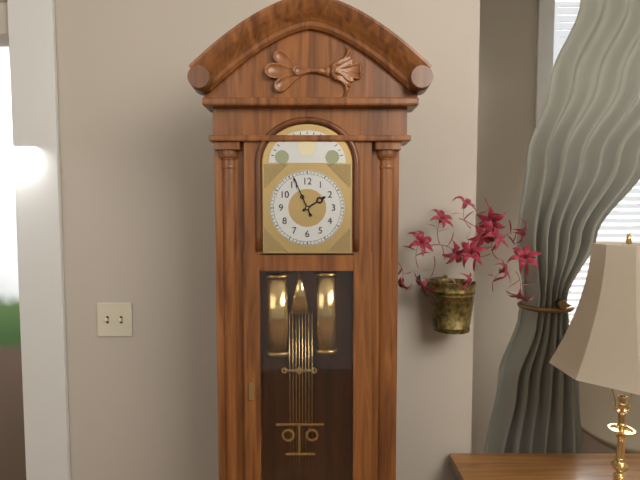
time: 1:56
